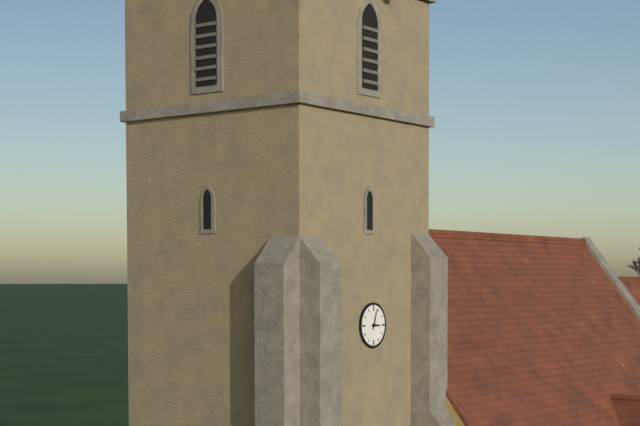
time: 3:03
